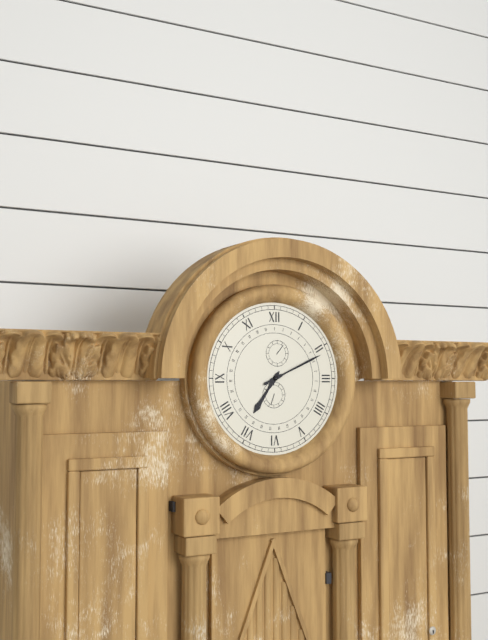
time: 7:11
